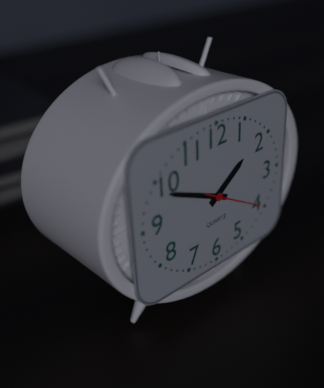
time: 1:49:20
